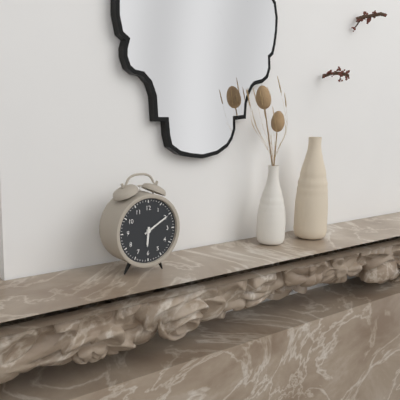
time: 6:10
